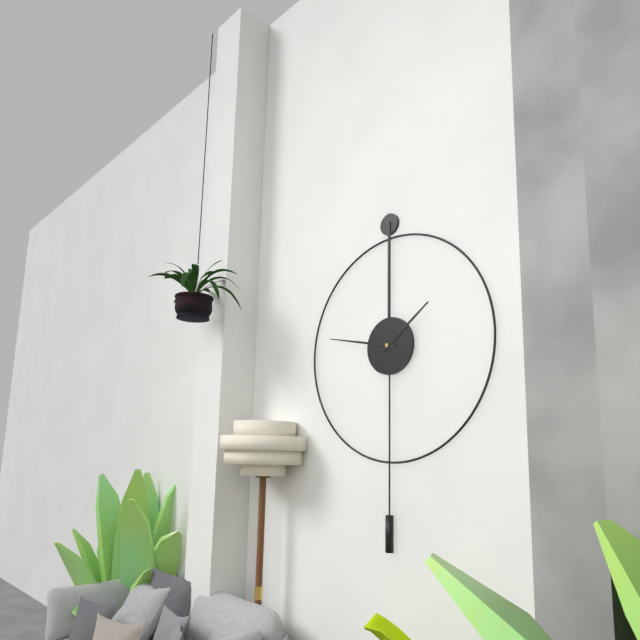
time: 1:47
